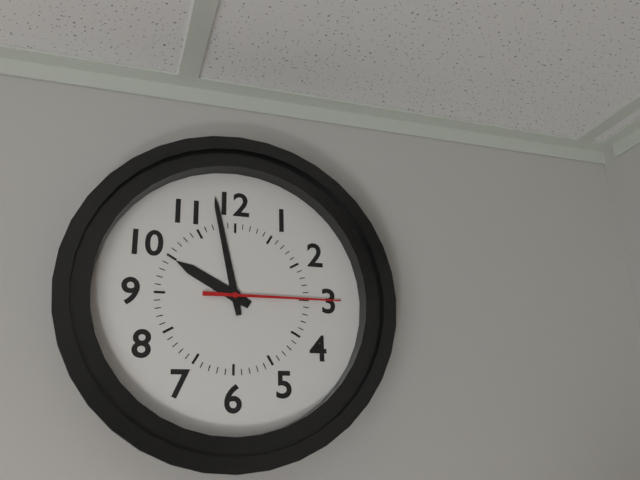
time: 9:58:15
